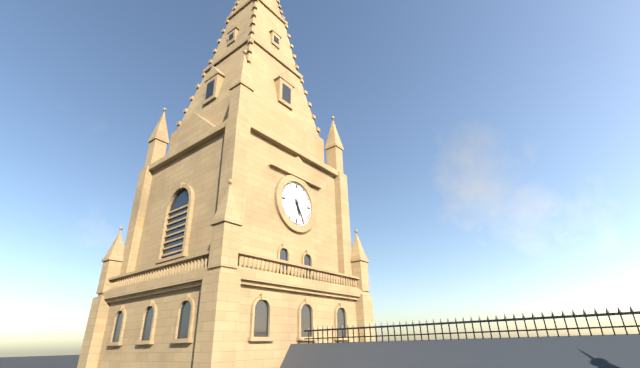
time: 5:25
